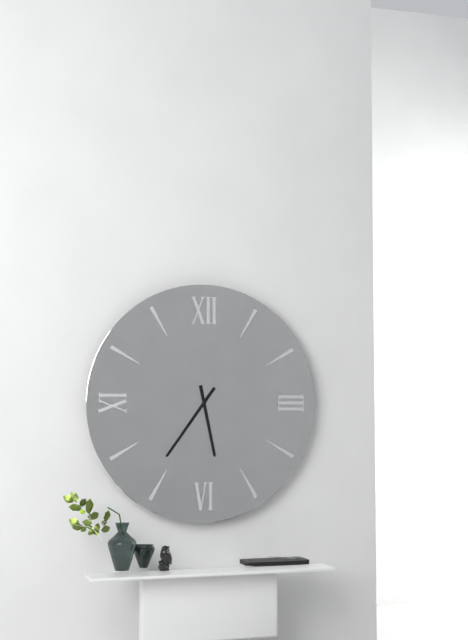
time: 5:36
